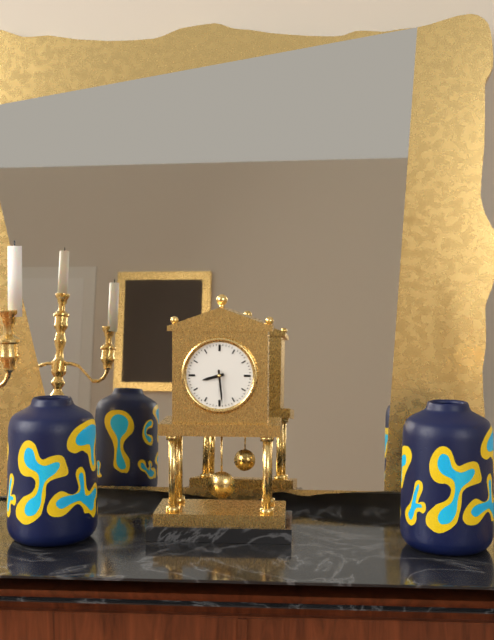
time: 8:29
